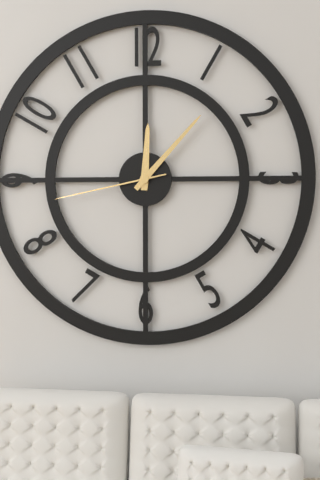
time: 12:07:43
